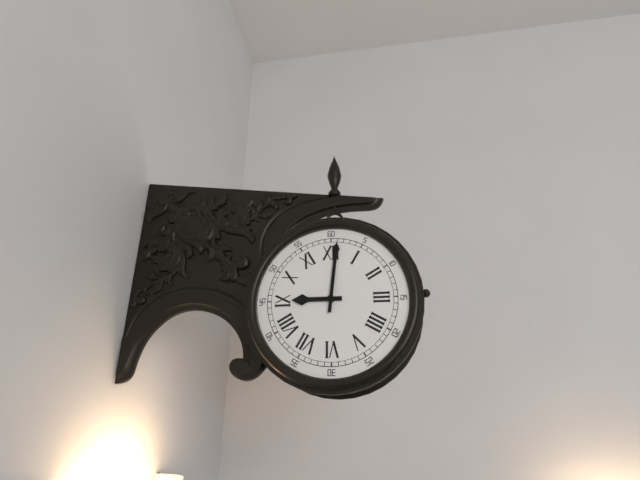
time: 9:01
